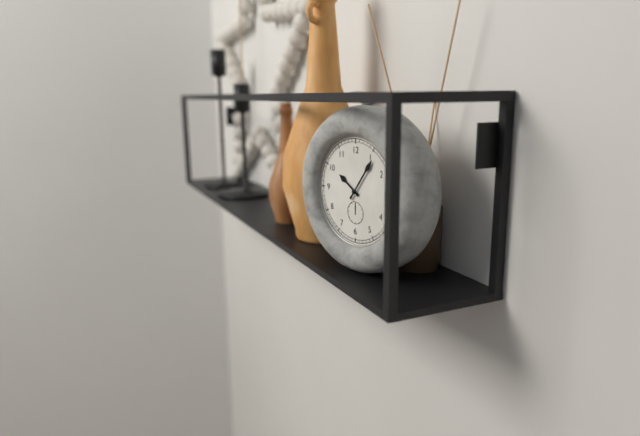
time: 10:06
